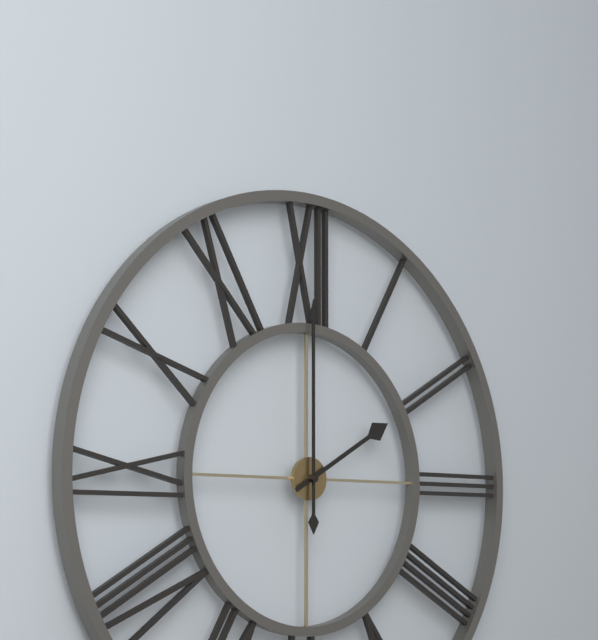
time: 2:00
